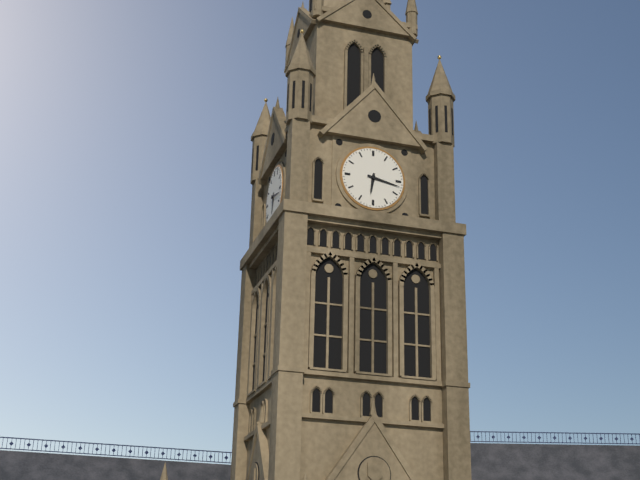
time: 6:17
